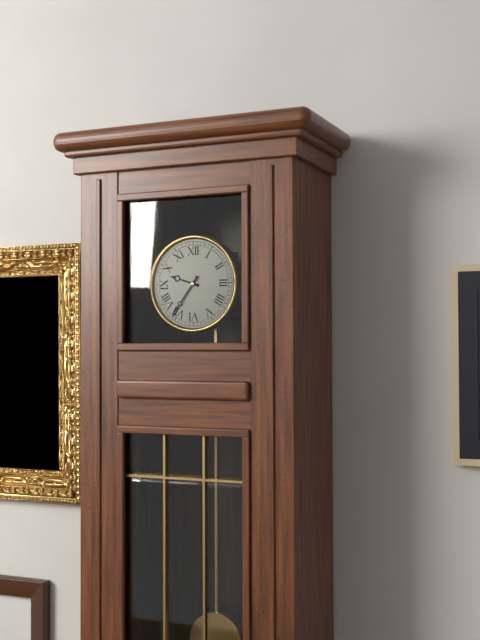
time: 9:36
